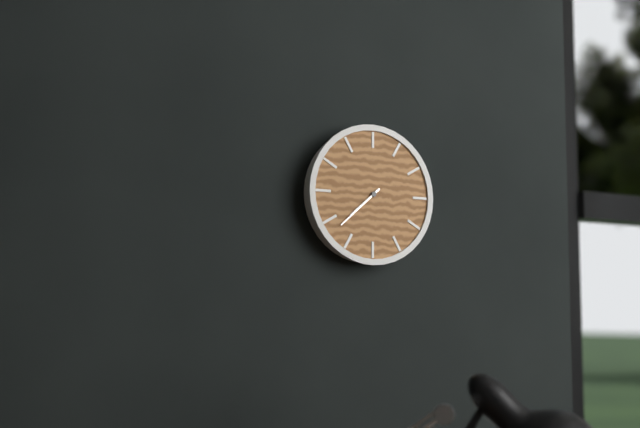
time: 7:38
